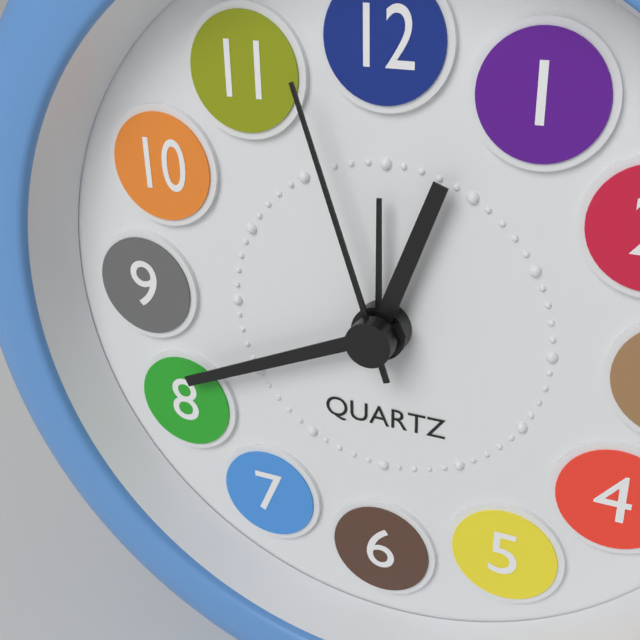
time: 12:41:57
